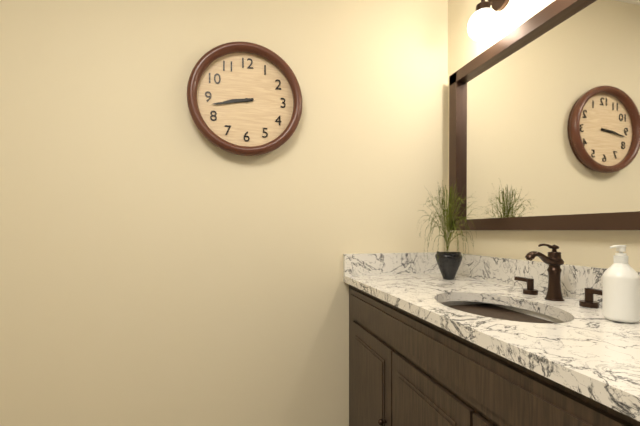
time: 8:43
